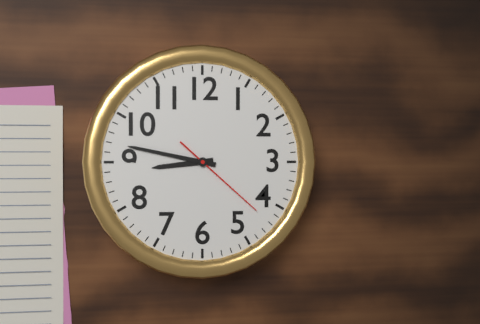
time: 8:47:22
